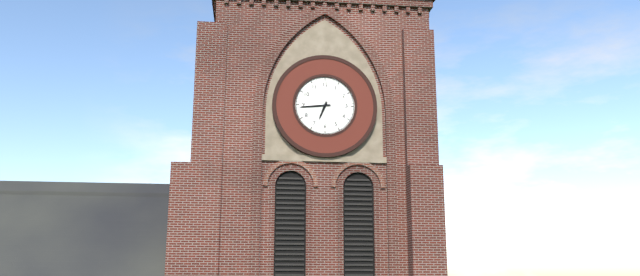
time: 6:44
